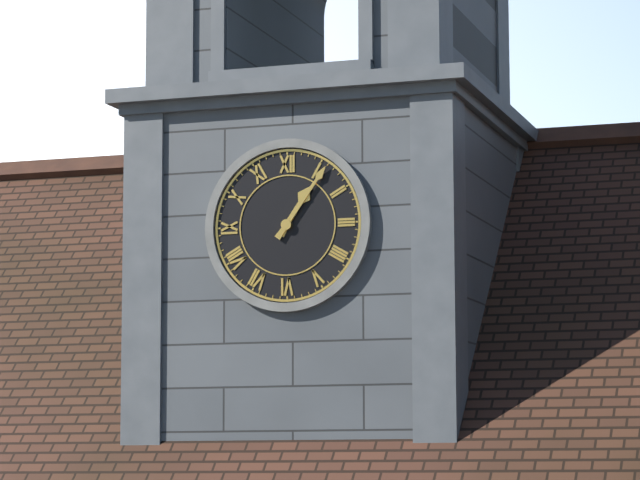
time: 1:06
